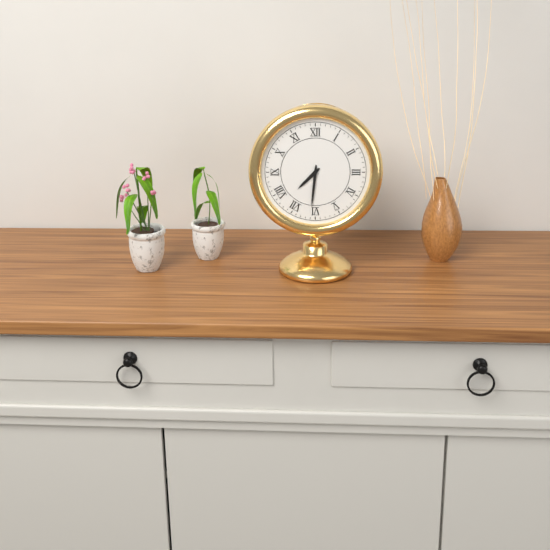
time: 7:31
